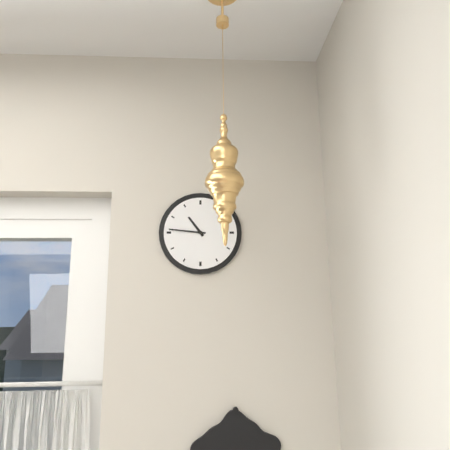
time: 10:46
